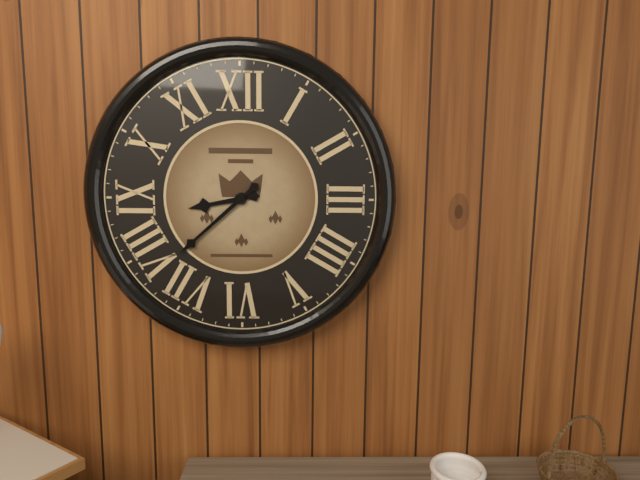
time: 8:38
